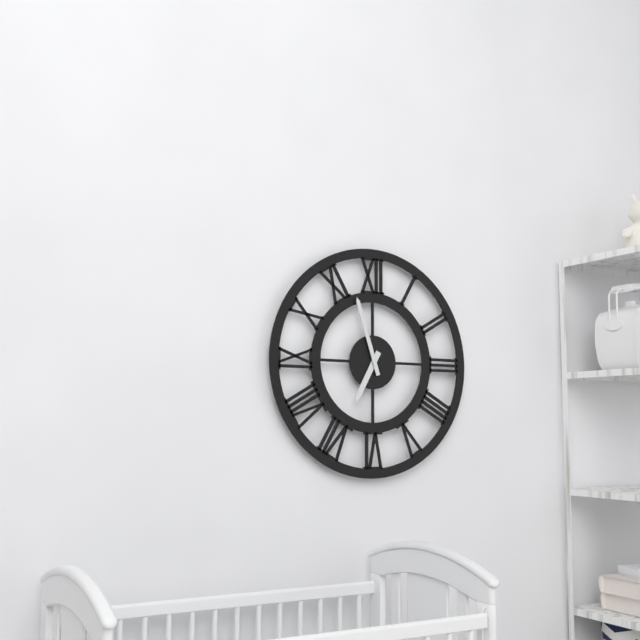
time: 6:57
